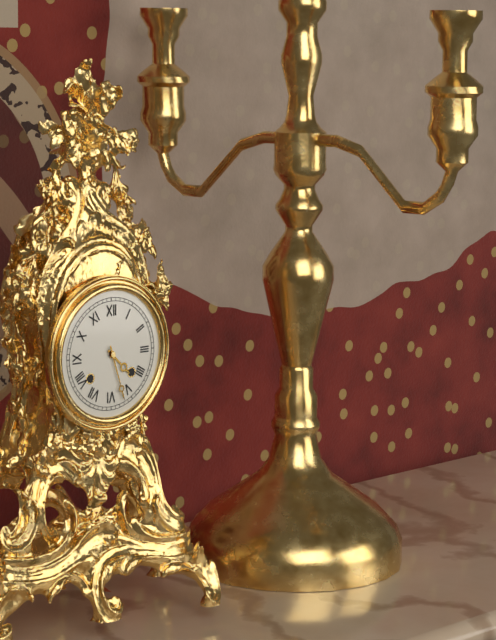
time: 4:27
